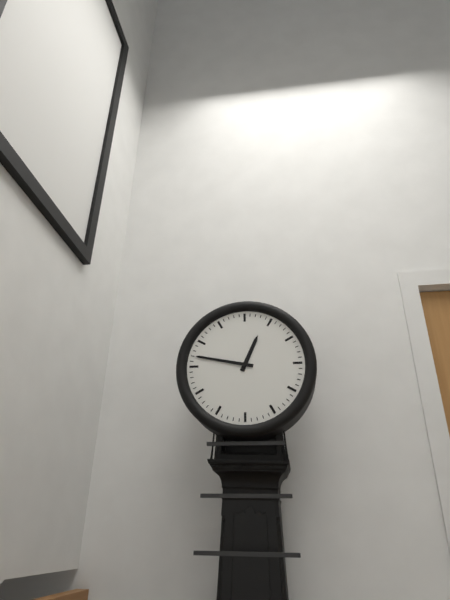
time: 12:47
